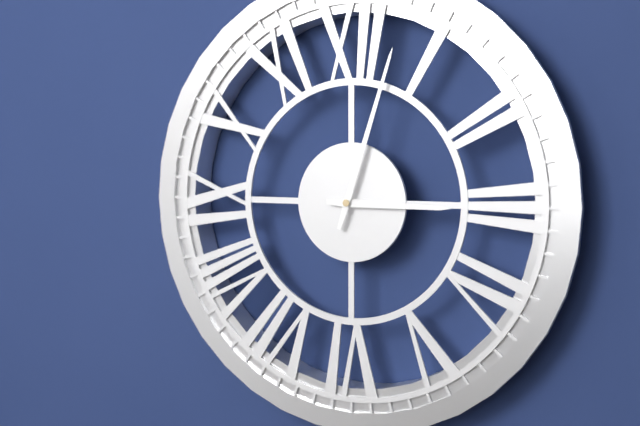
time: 3:03
